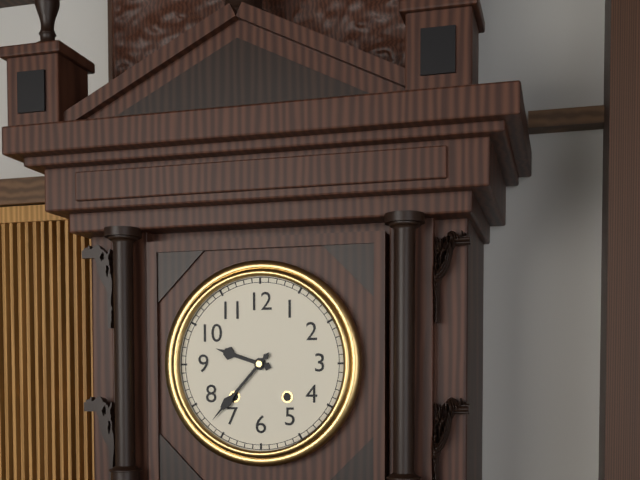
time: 9:37
